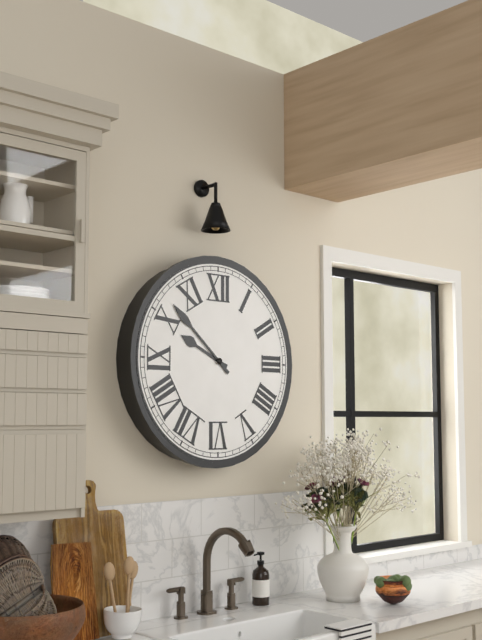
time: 9:52
